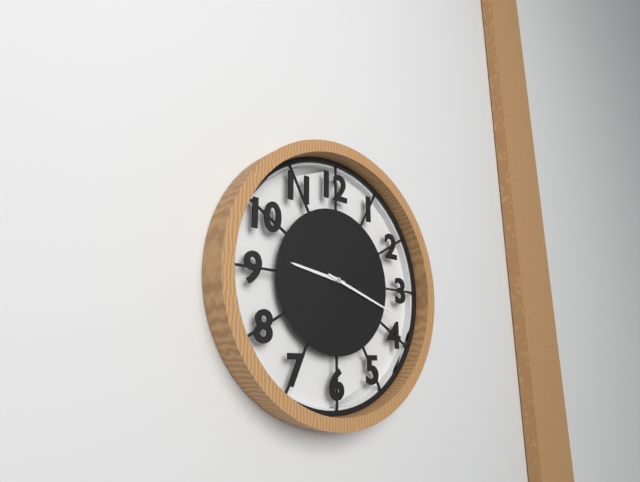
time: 9:18
